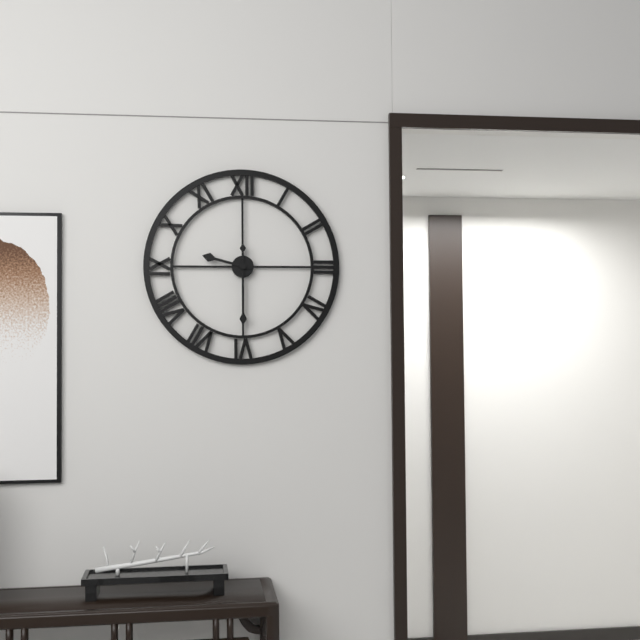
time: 9:30
